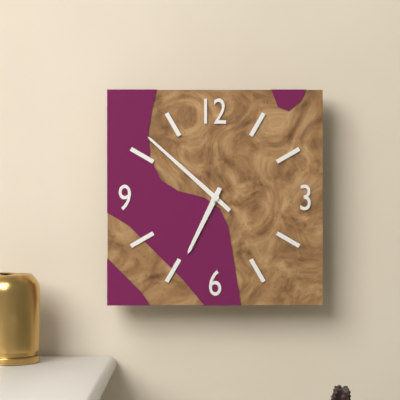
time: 6:52
